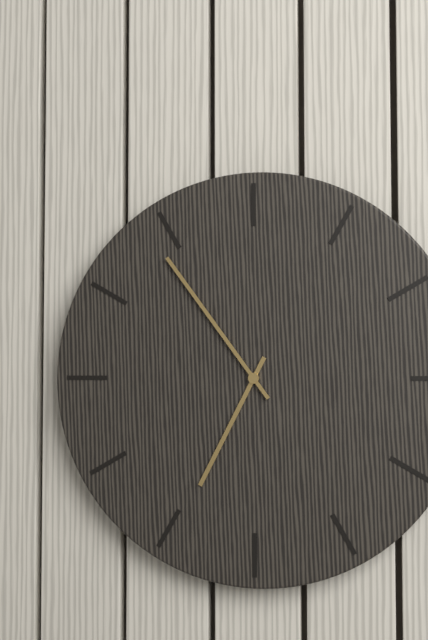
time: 6:54
